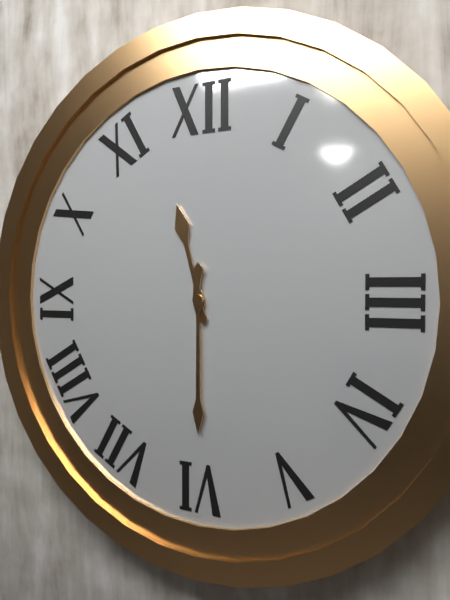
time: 11:30
